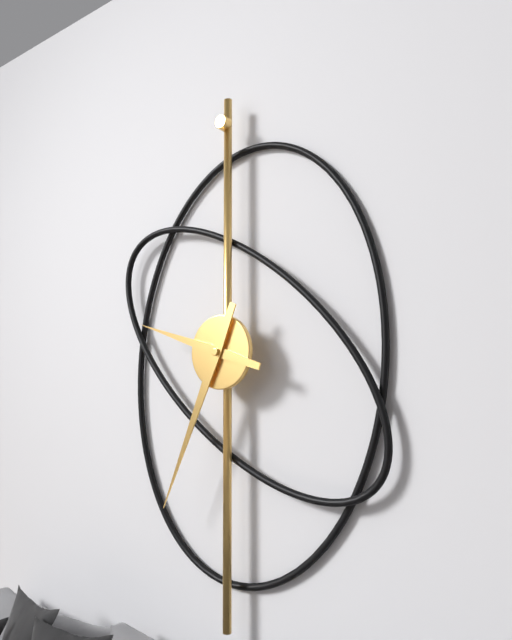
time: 9:34
